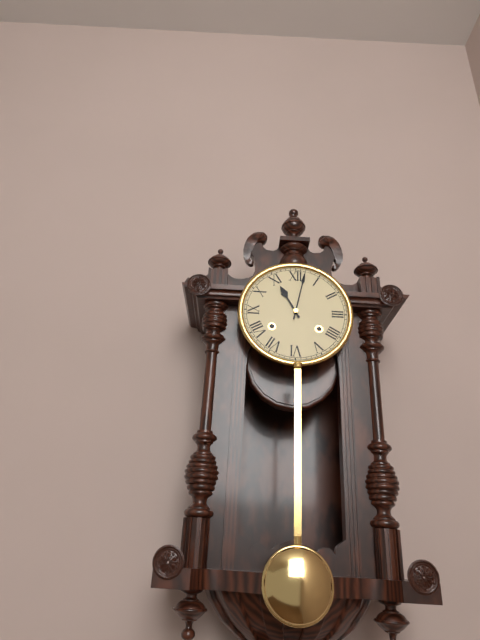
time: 11:02
